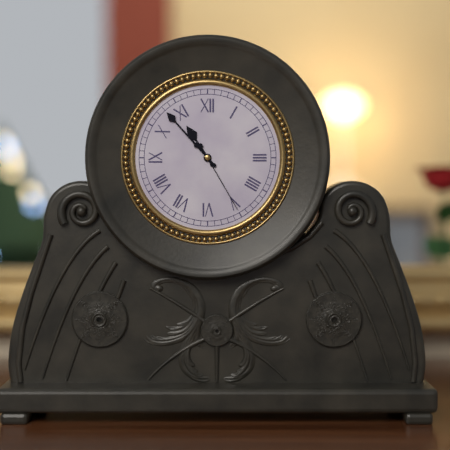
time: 10:53:25
